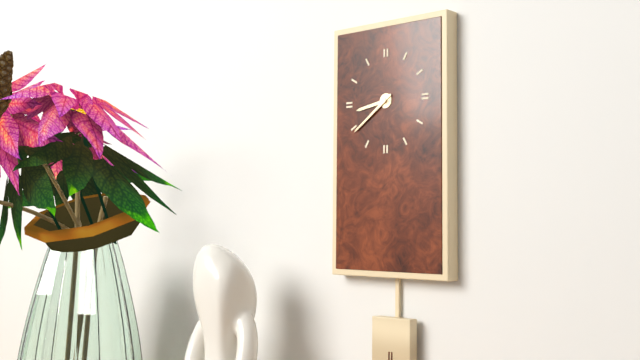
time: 8:39
